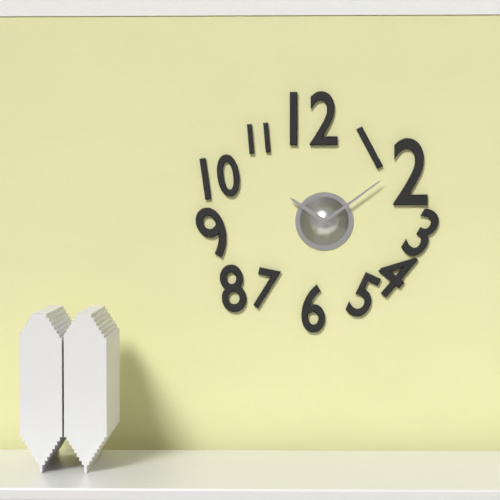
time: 10:09
